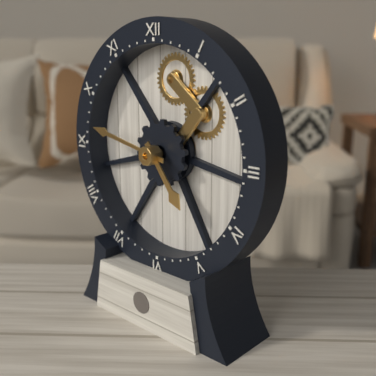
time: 4:47
